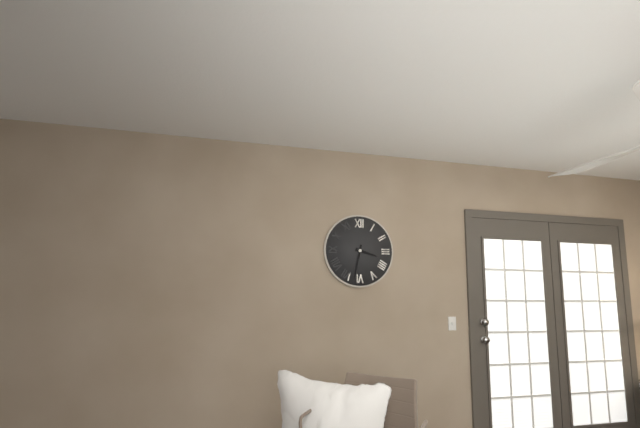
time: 3:32
